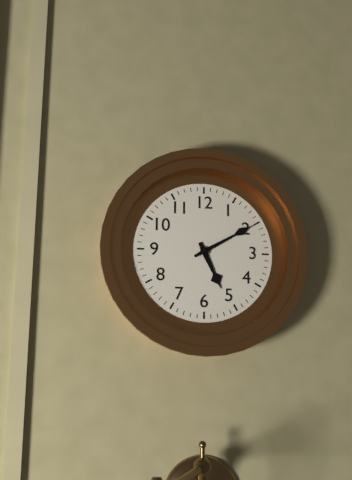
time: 5:10
